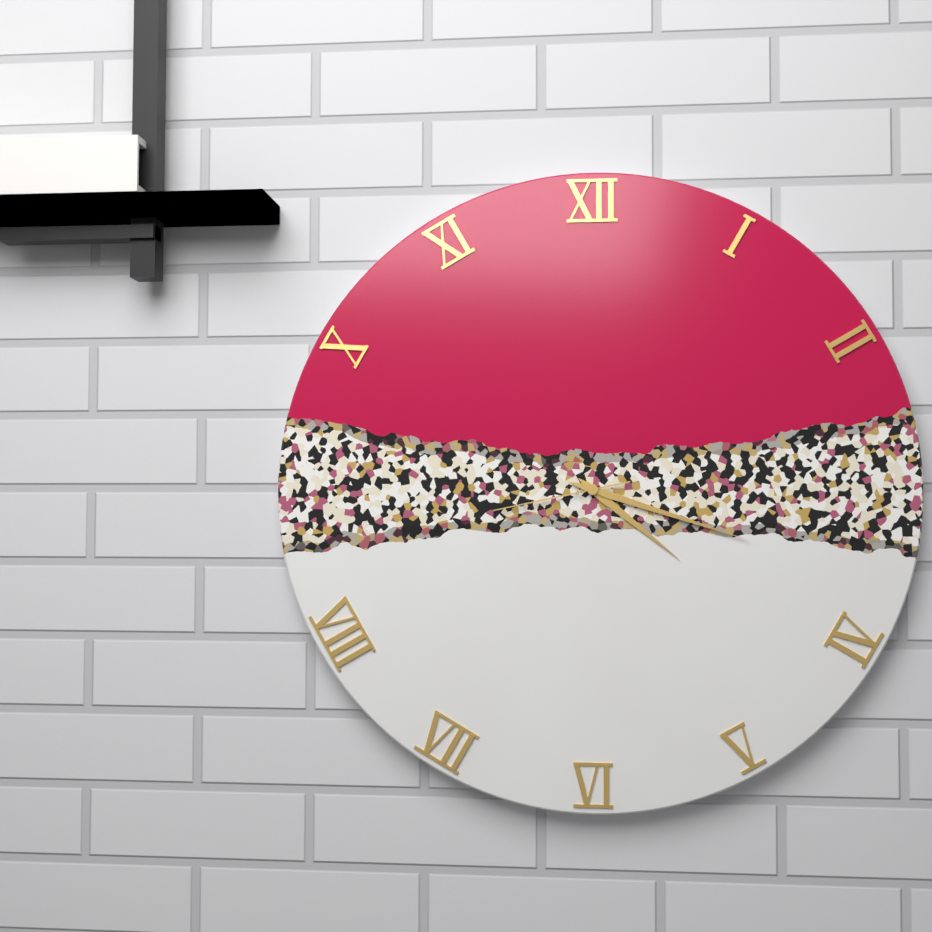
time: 4:18:43
